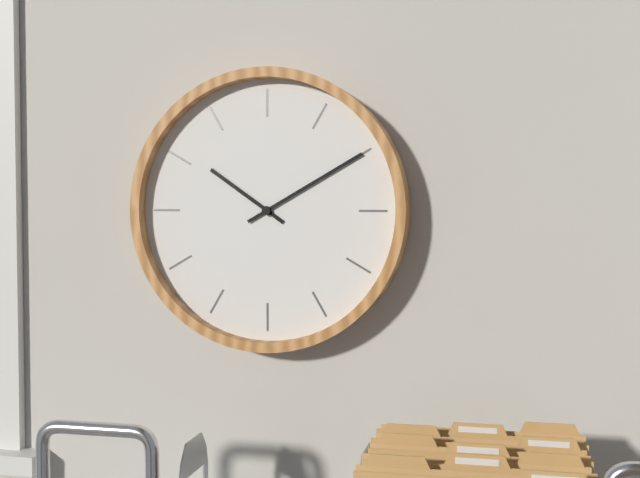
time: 10:10
